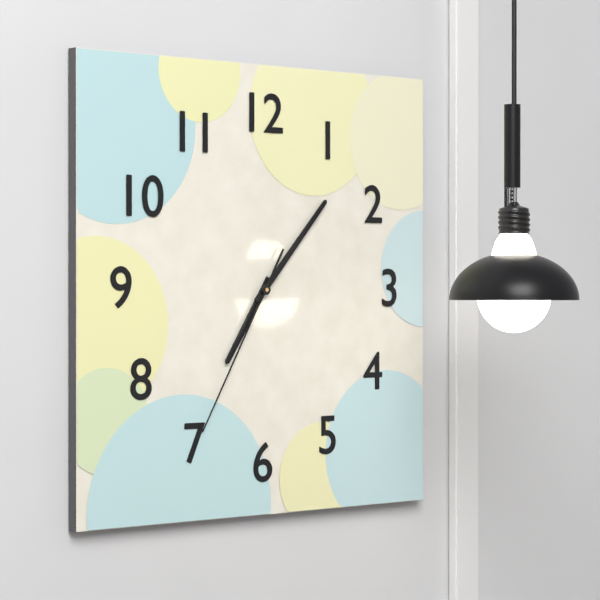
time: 7:07:35
